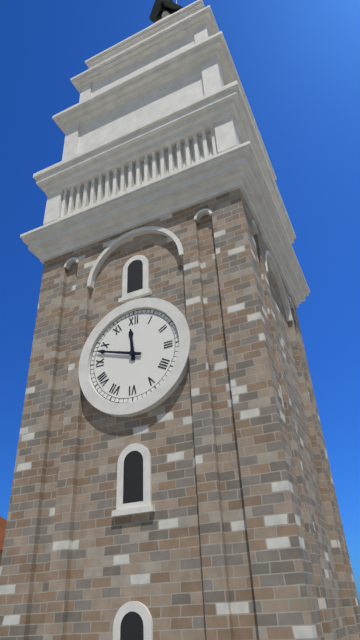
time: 11:48
